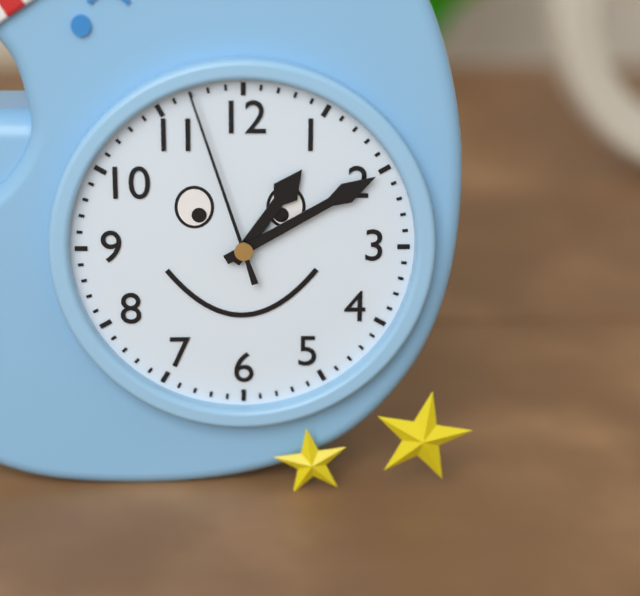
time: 1:10:57
